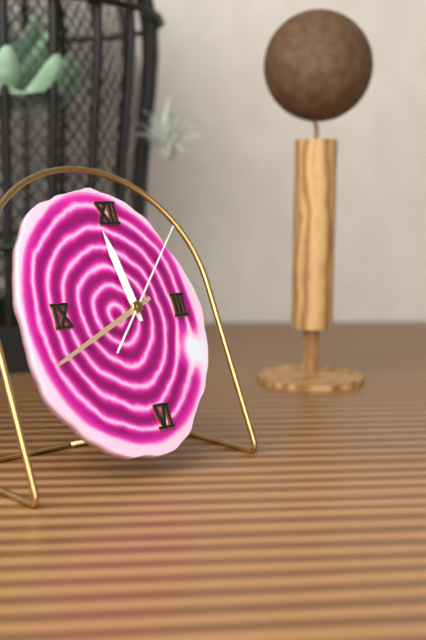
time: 11:41:07
